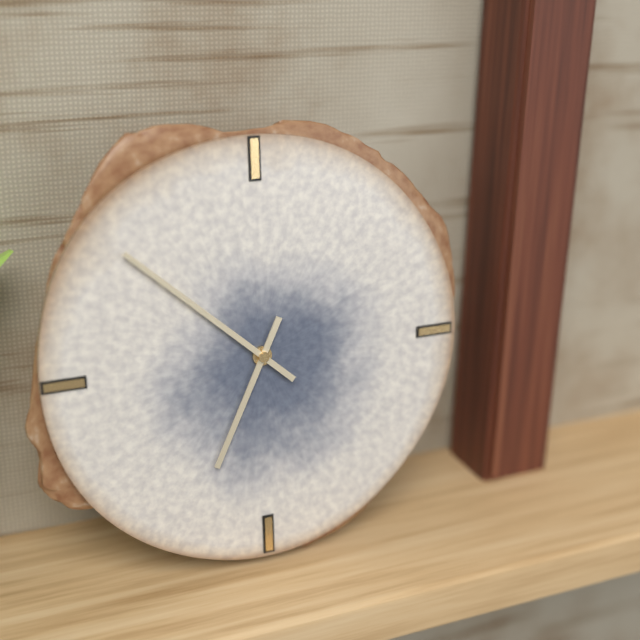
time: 6:52
